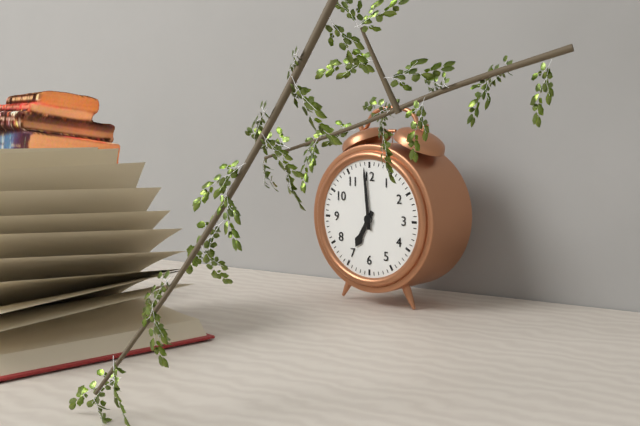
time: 6:59
